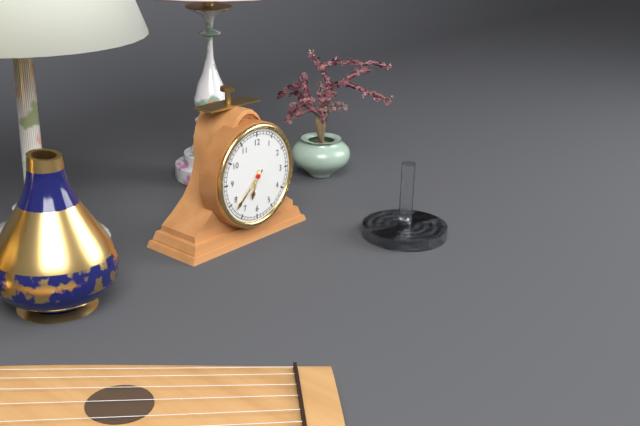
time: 6:38
